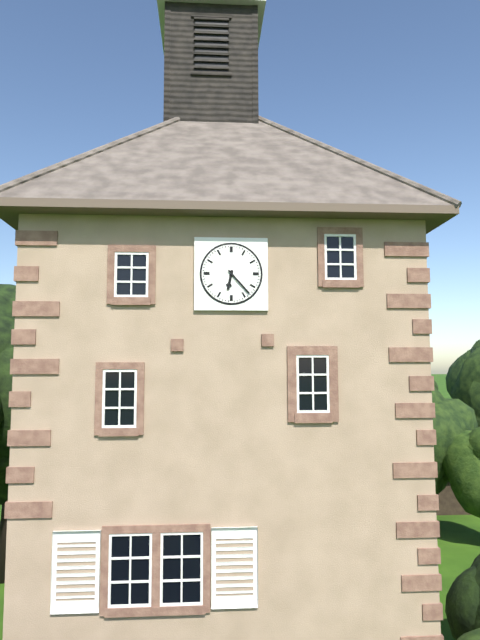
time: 6:23
